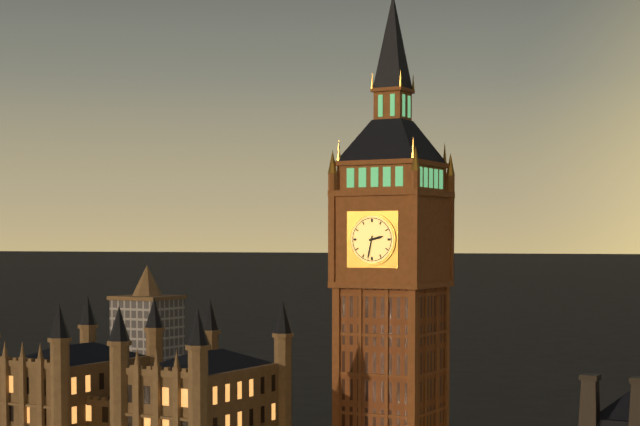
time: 2:32
